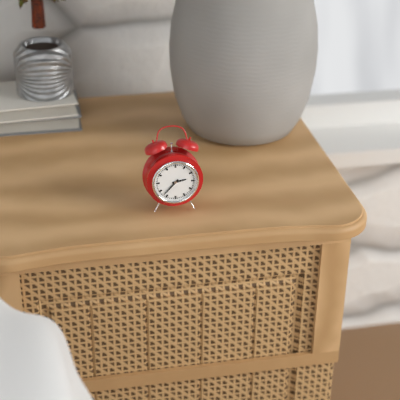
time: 2:37
